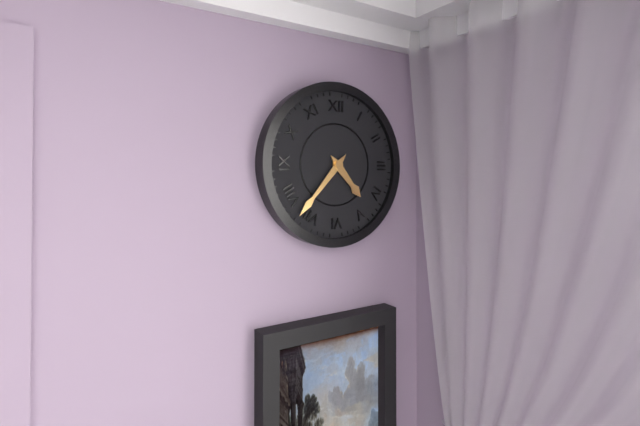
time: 4:37
